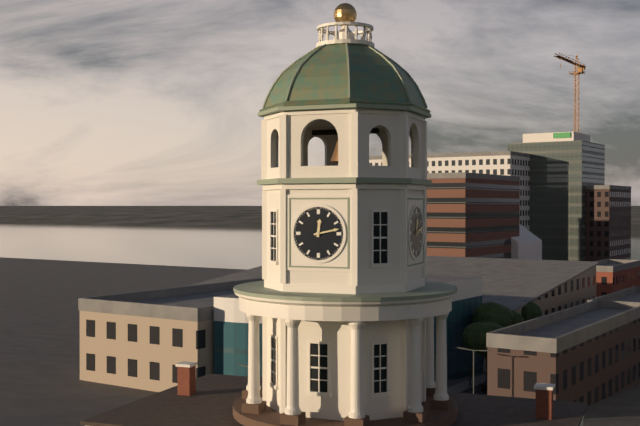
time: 12:13
